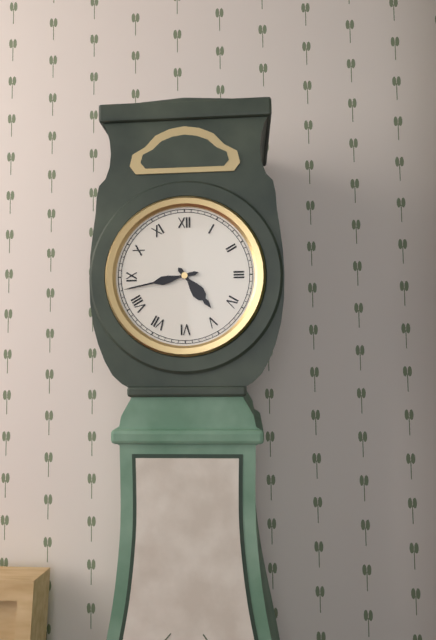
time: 4:43
